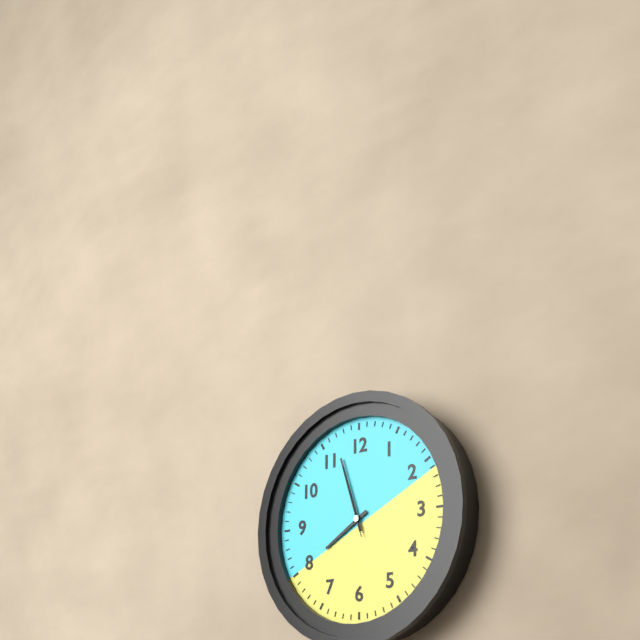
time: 7:57:57
